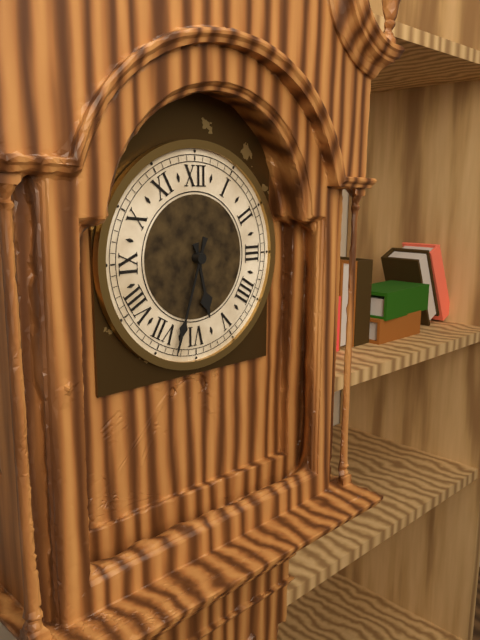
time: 5:33
